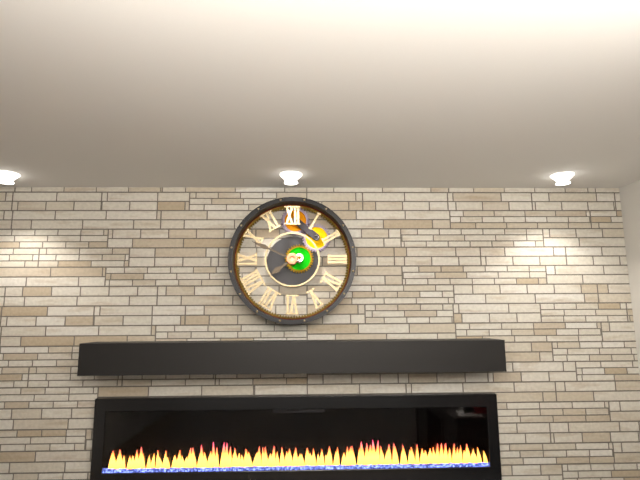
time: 7:49
